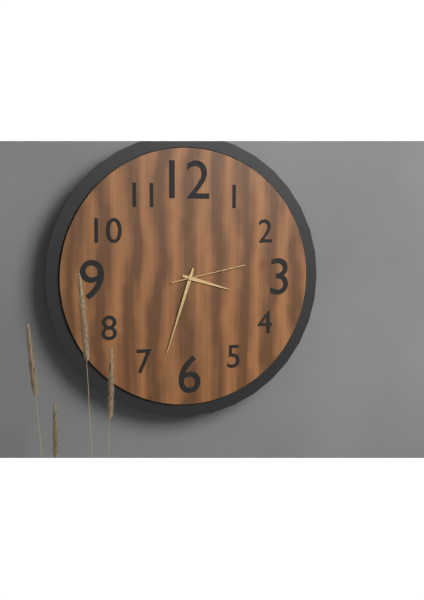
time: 3:33:13
